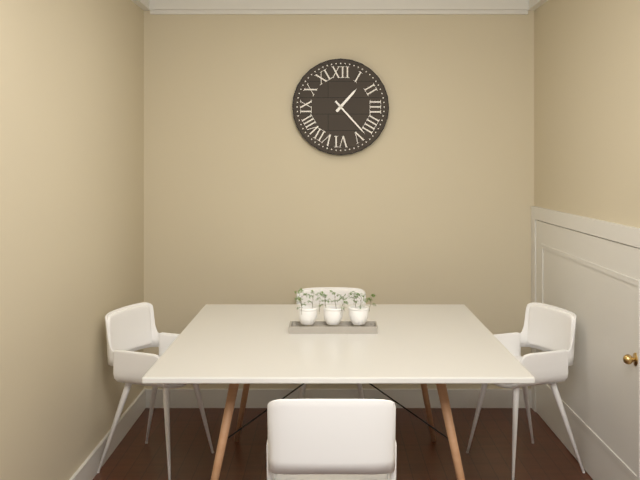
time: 1:23
